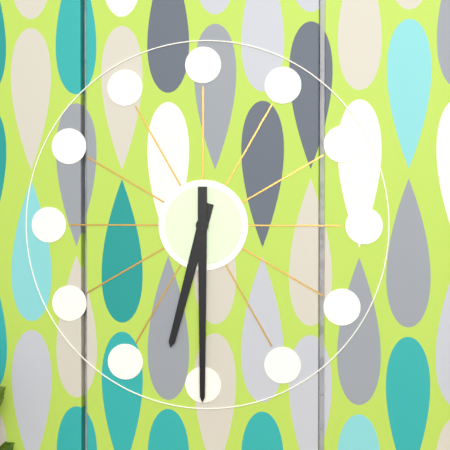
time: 6:30
